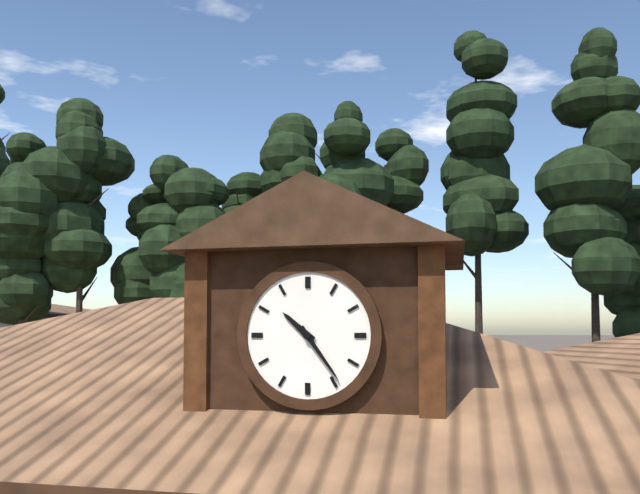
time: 10:24
